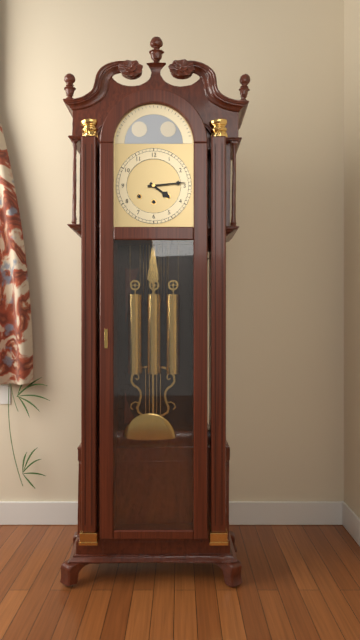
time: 4:14
